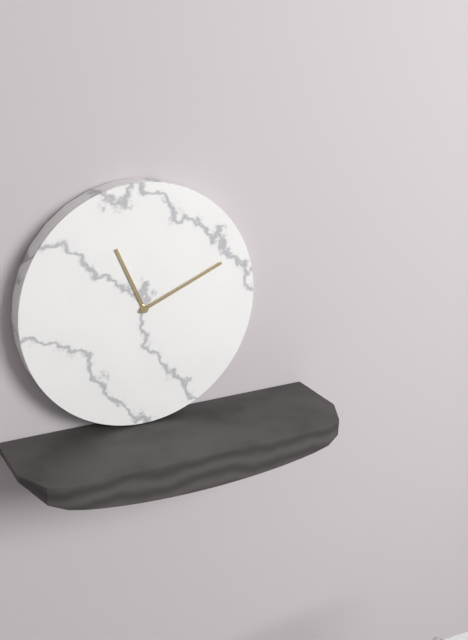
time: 11:11
